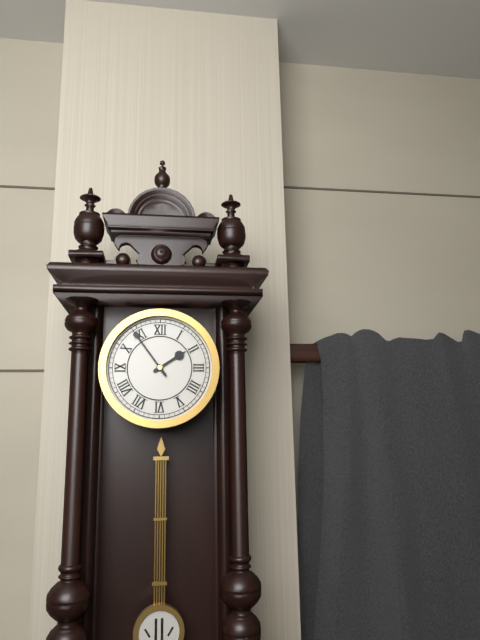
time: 1:54
